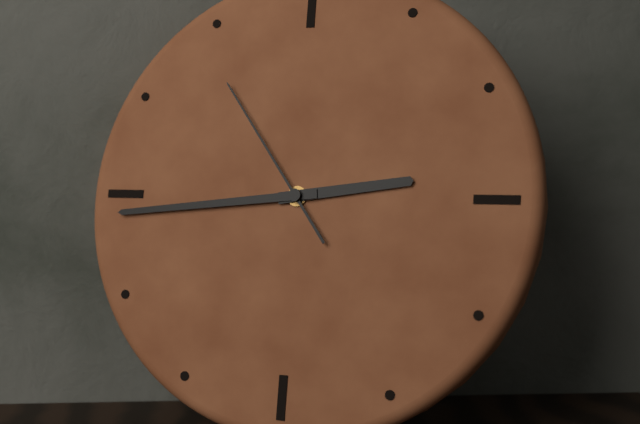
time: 2:44:54
